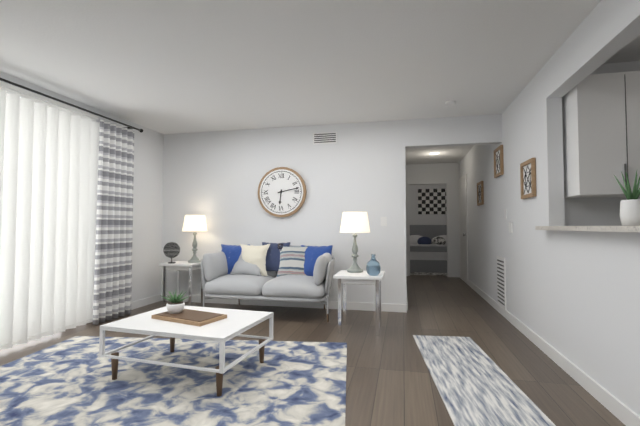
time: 6:13
